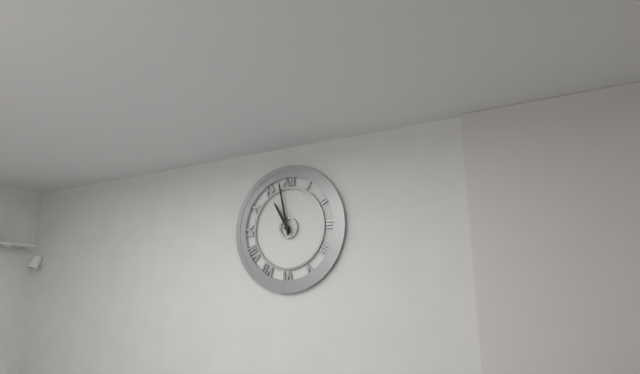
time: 10:58
